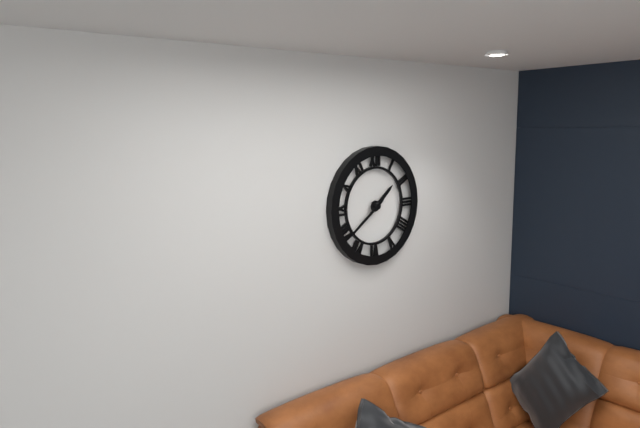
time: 1:39
